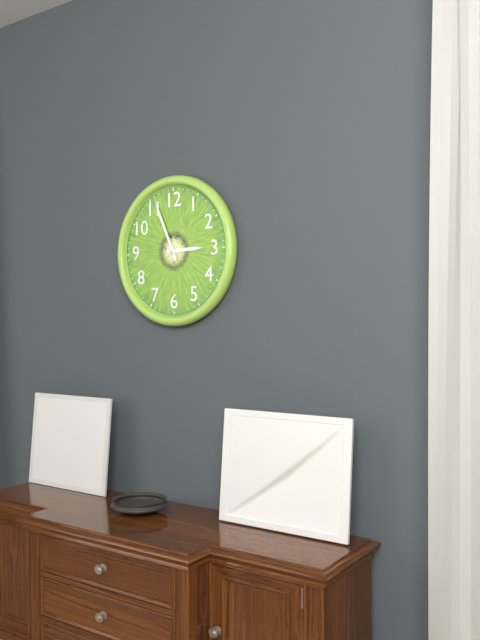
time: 2:56
